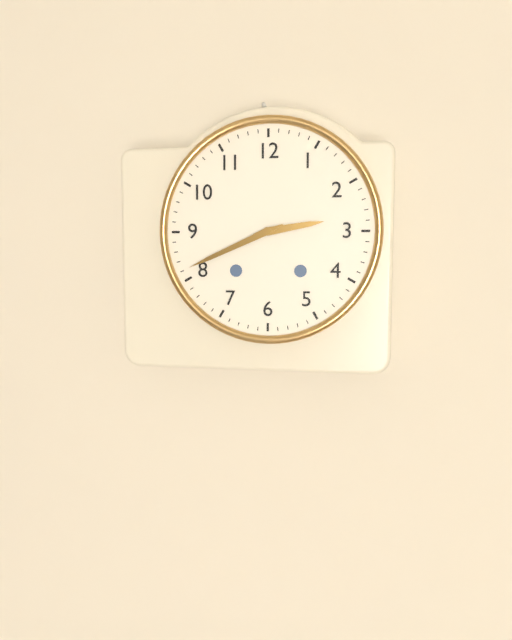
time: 2:41
